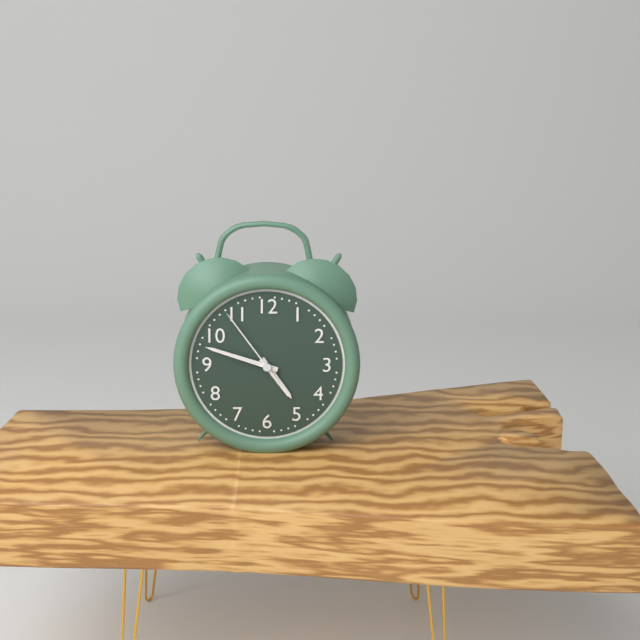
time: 4:48:54
